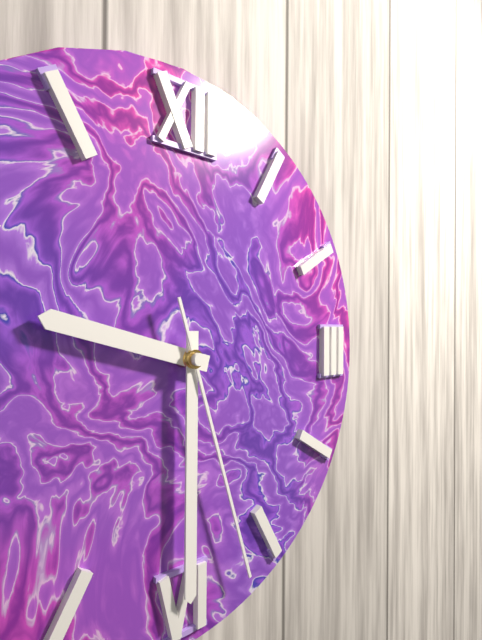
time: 9:30:27
